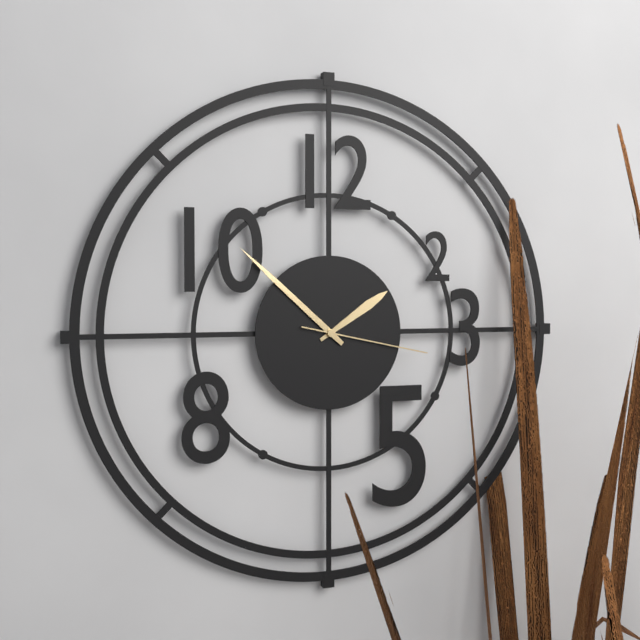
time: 1:52:17
